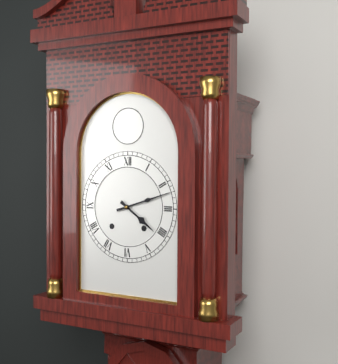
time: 4:12
